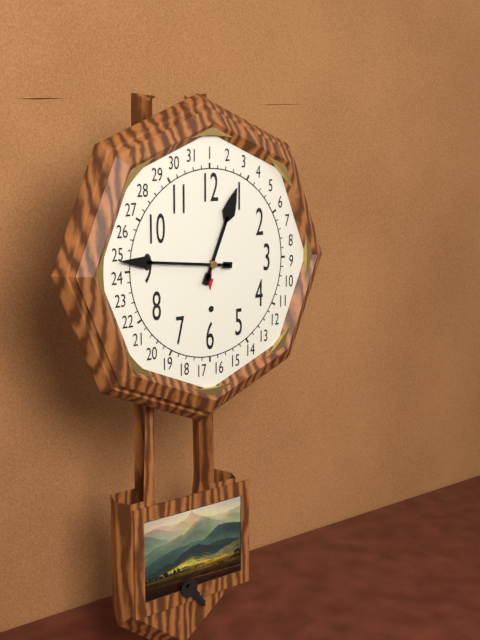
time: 12:46
